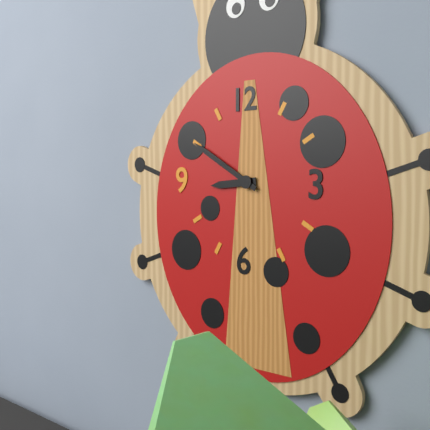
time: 8:50
